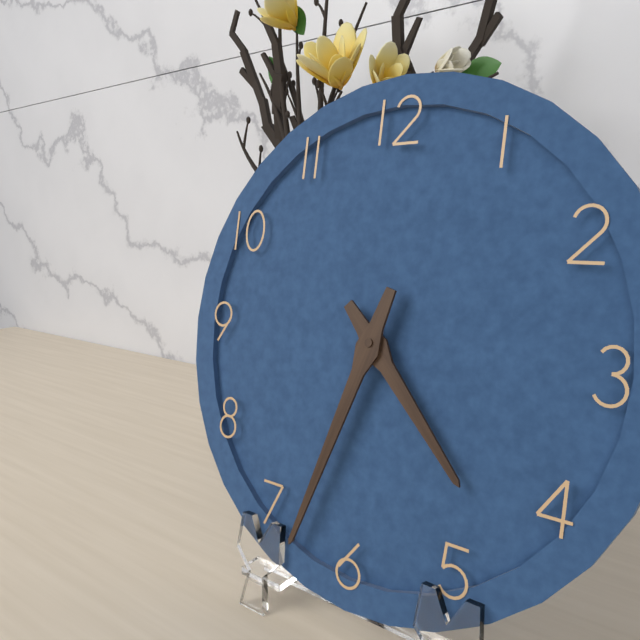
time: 4:33
